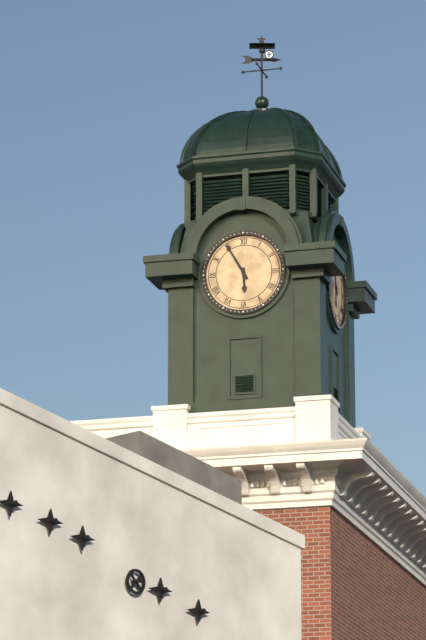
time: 5:55
